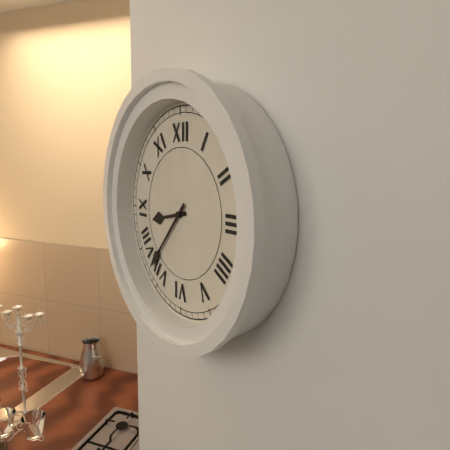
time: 8:37
